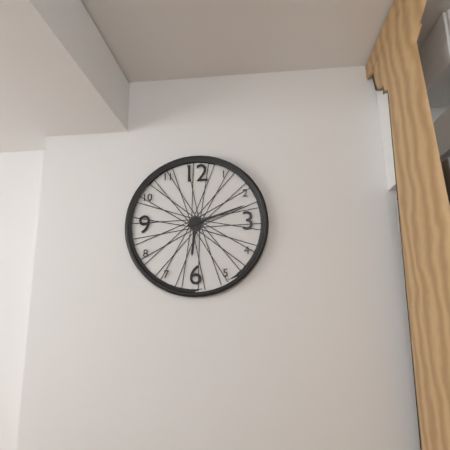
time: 6:12
